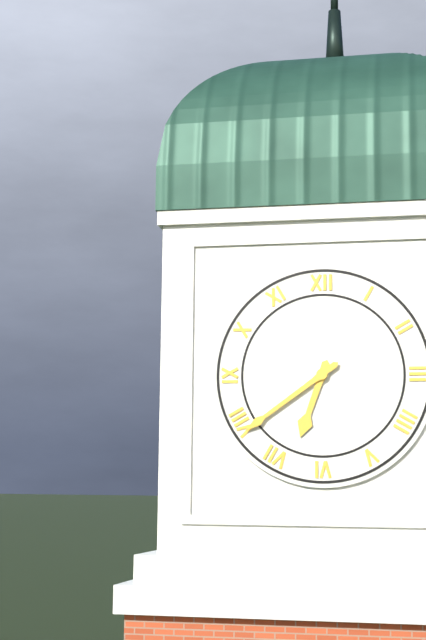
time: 6:39
